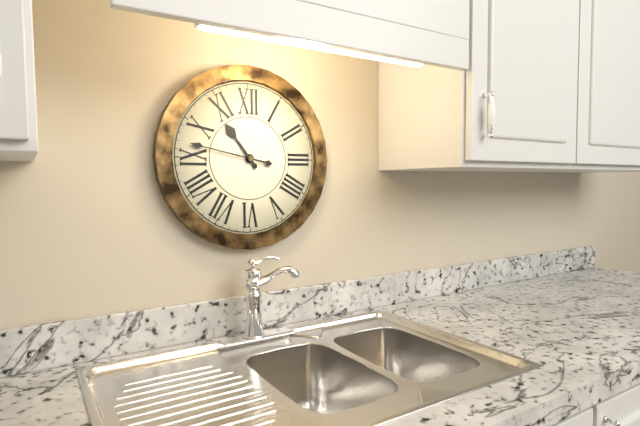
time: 10:47
